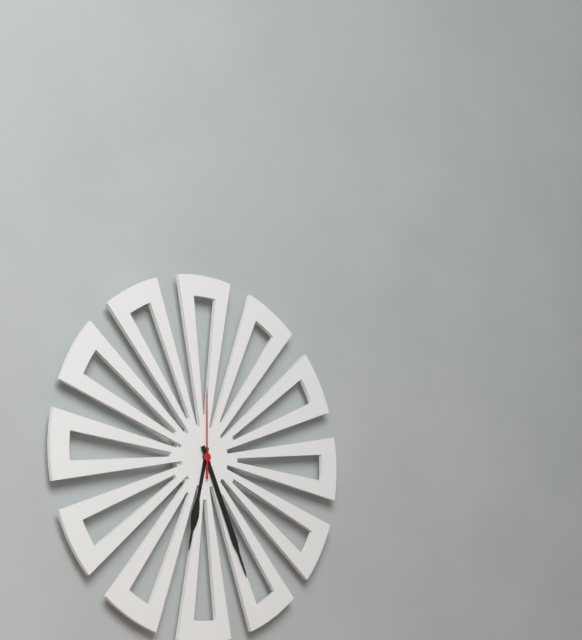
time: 6:26:00
